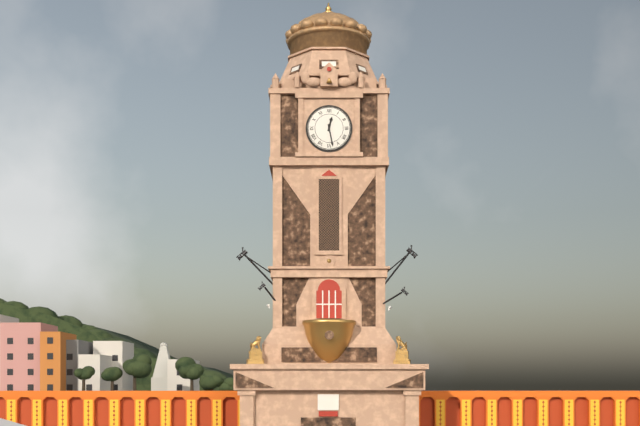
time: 12:28
